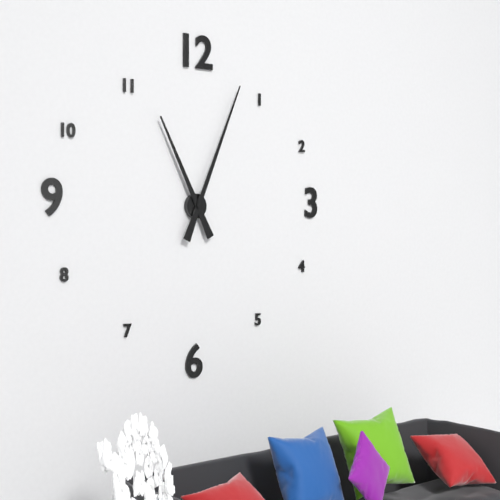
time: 11:04
